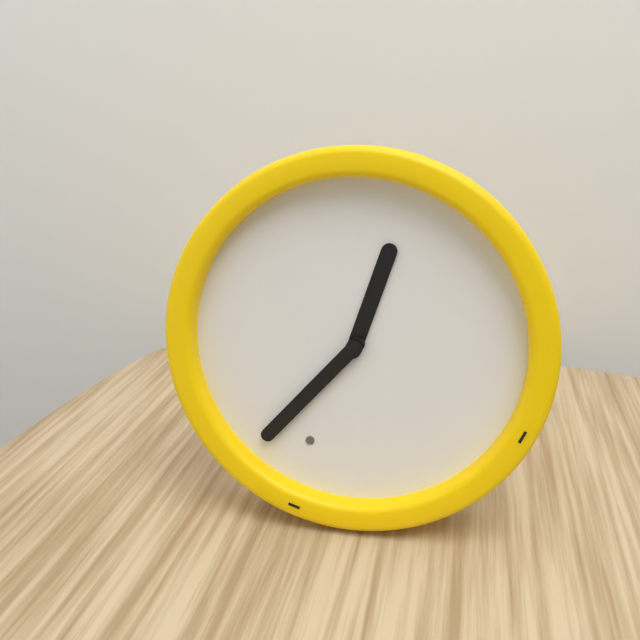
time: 12:37
